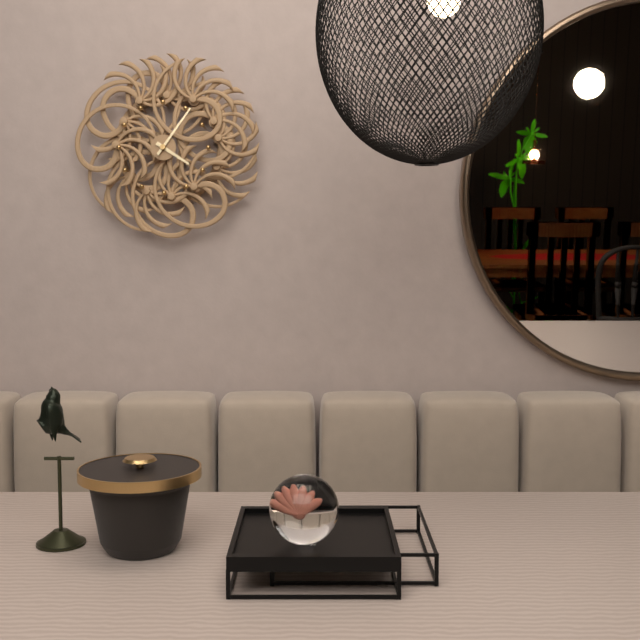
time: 4:06
